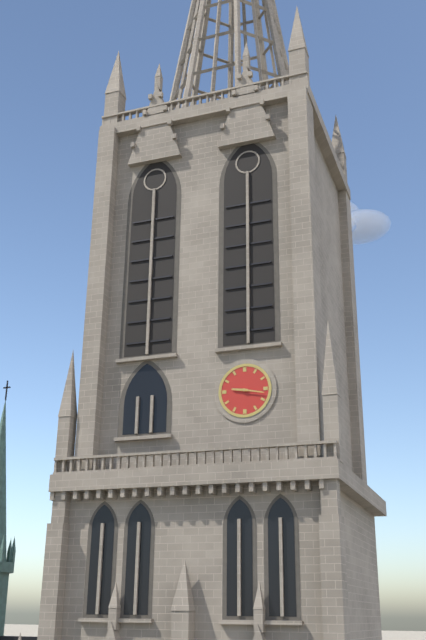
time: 9:17
